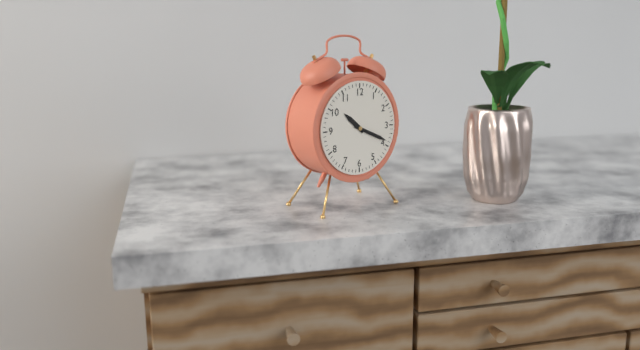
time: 10:19
